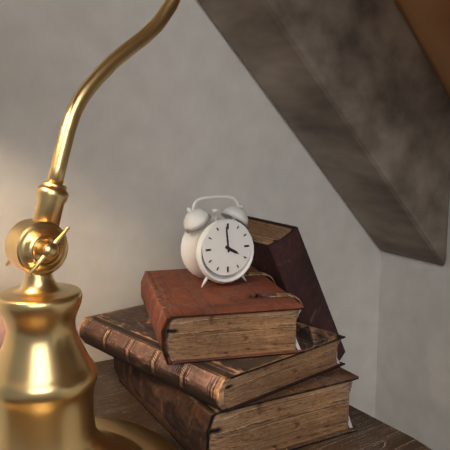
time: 3:59
